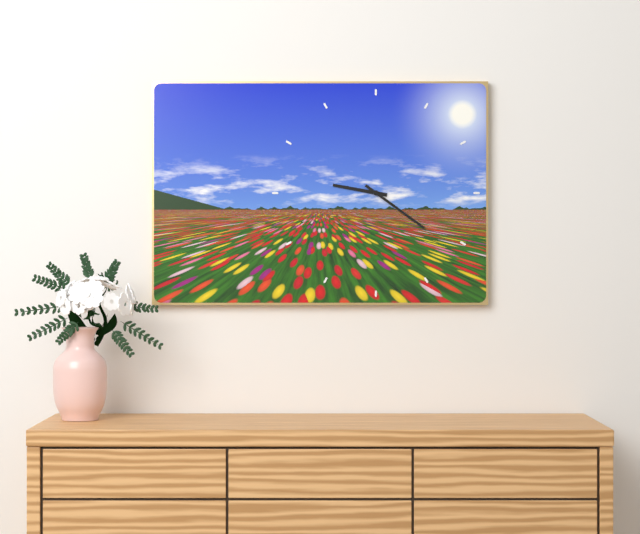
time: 9:21
